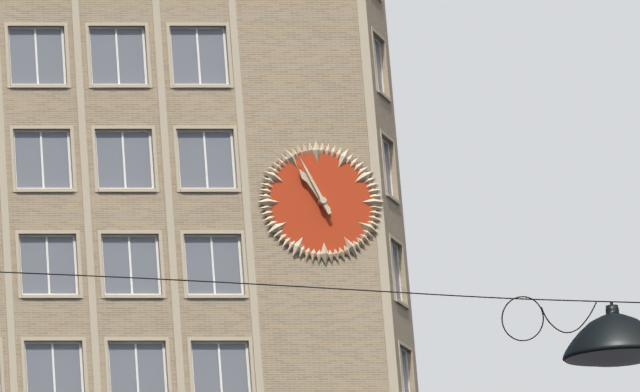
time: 10:56
